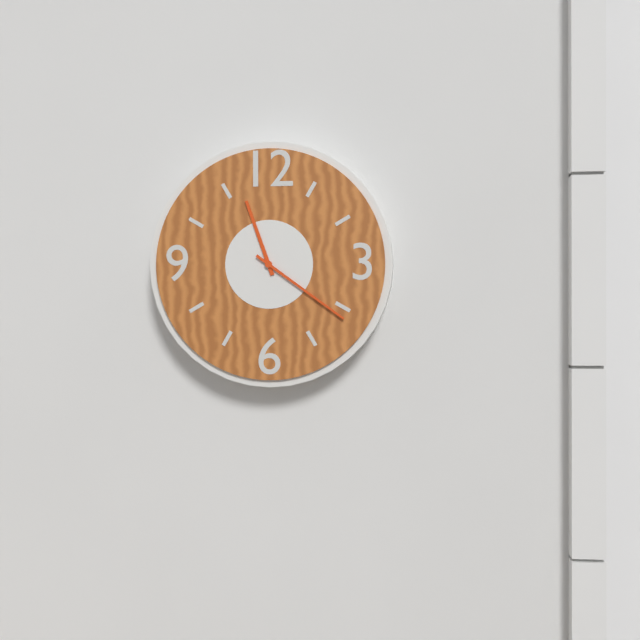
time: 11:21
